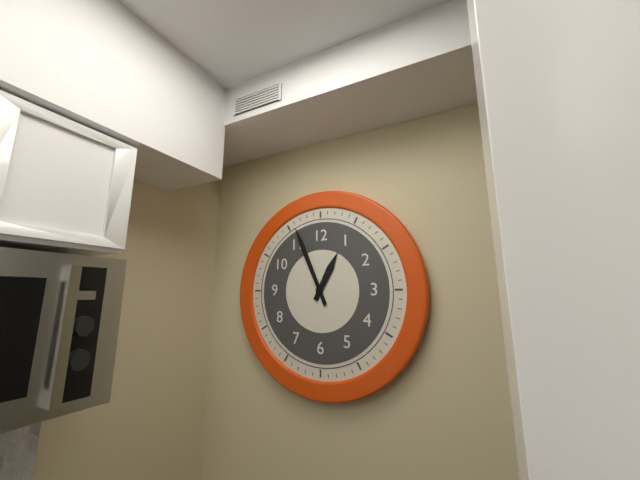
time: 12:56
